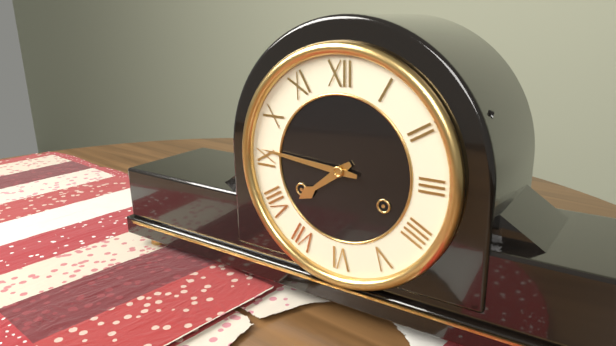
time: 7:46
